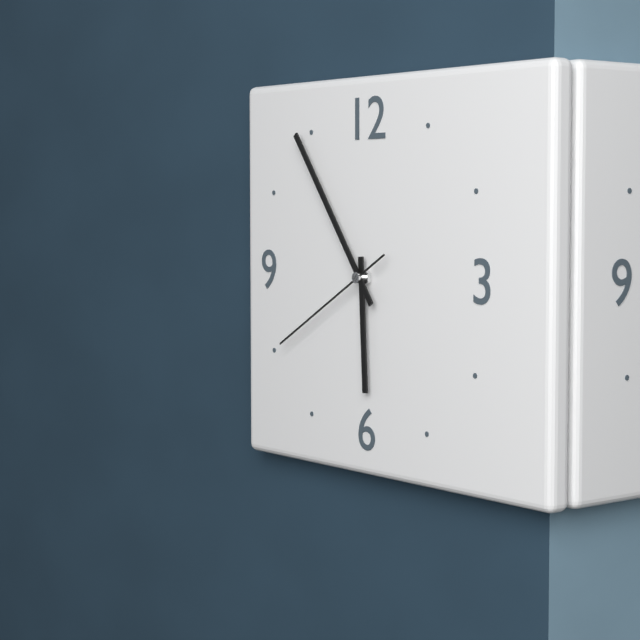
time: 5:54:40
